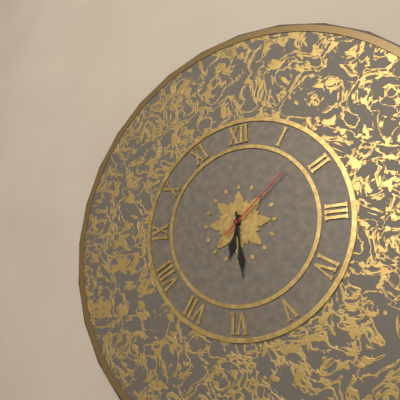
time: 6:29:08
